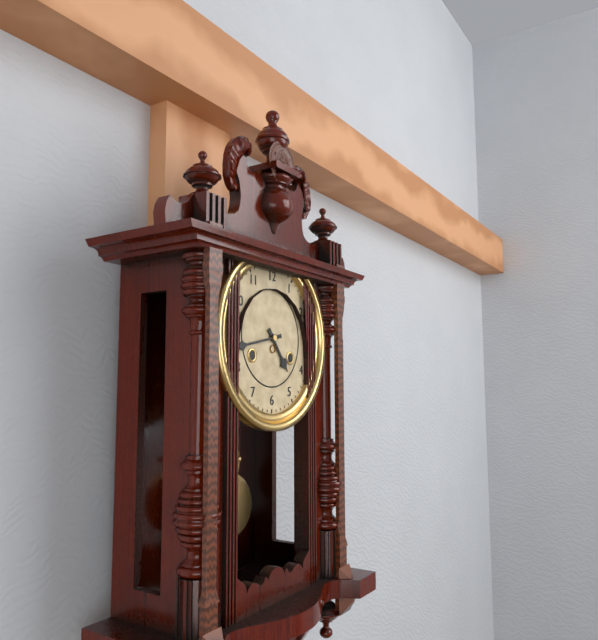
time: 4:43
